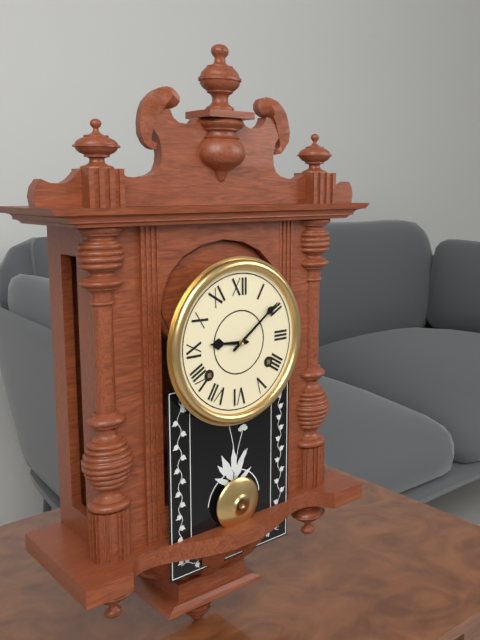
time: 9:09
